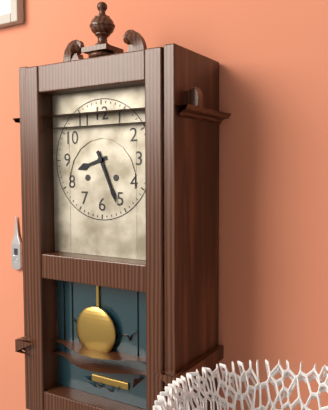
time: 8:26
